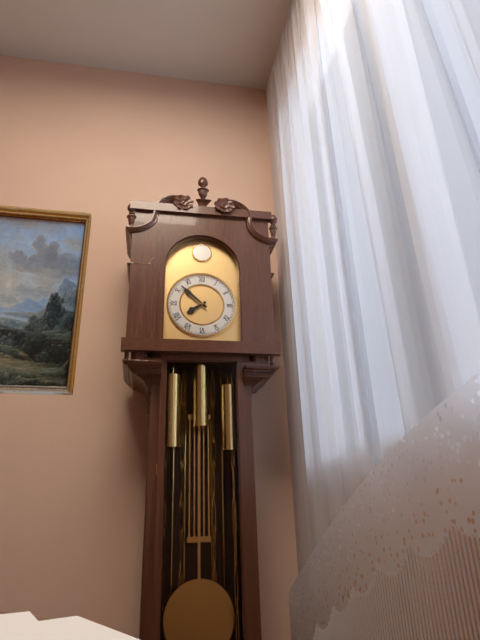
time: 7:52
